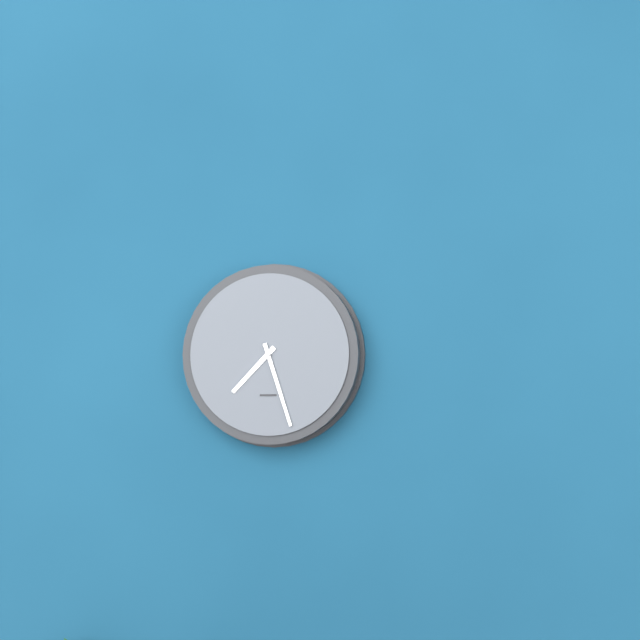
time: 7:27
